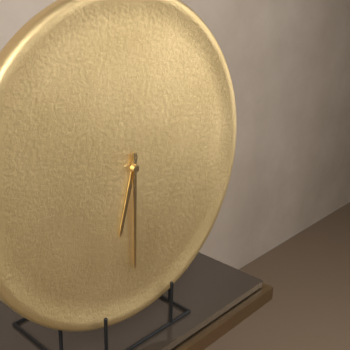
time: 6:30
